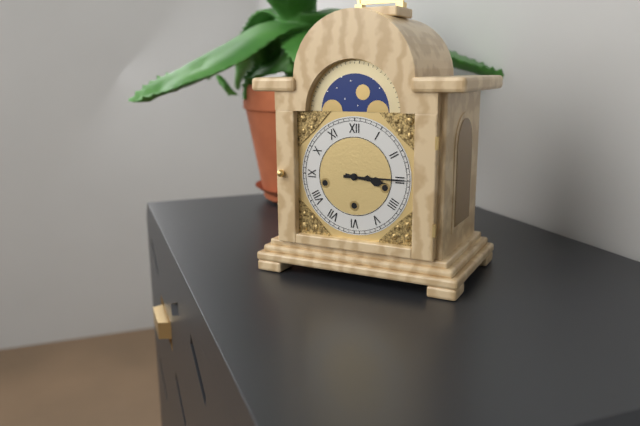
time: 3:15
